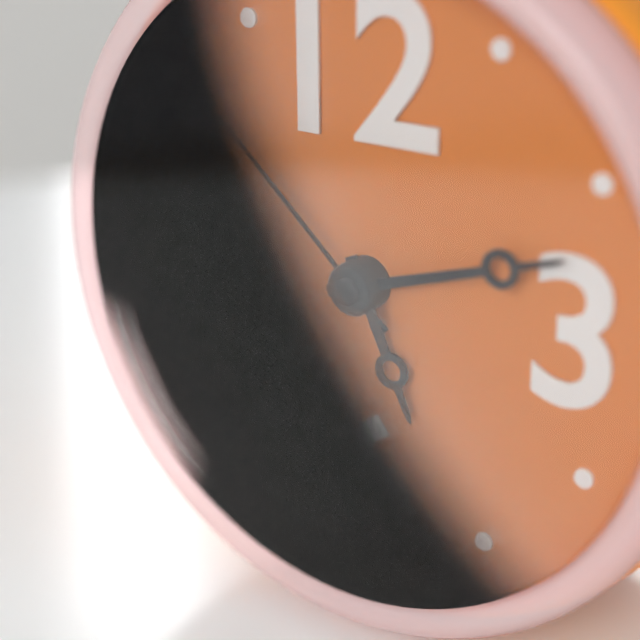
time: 5:12:52
